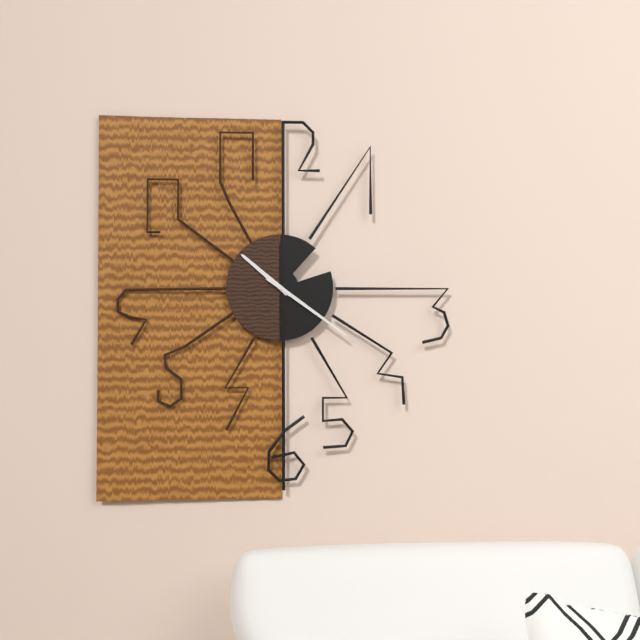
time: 10:21
